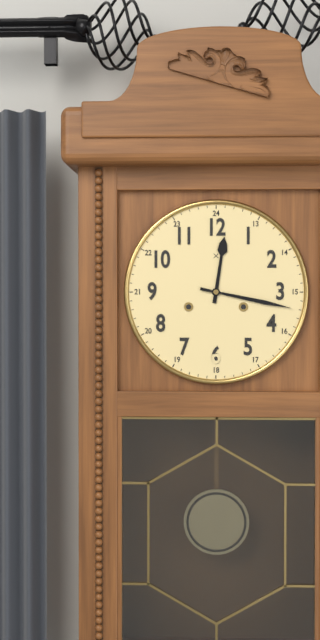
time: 12:17
